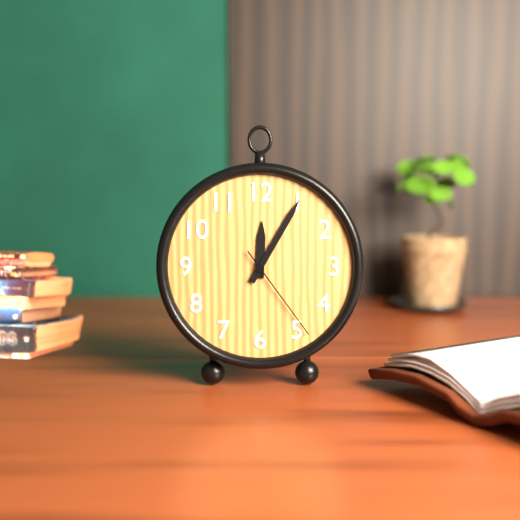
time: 12:05:24
